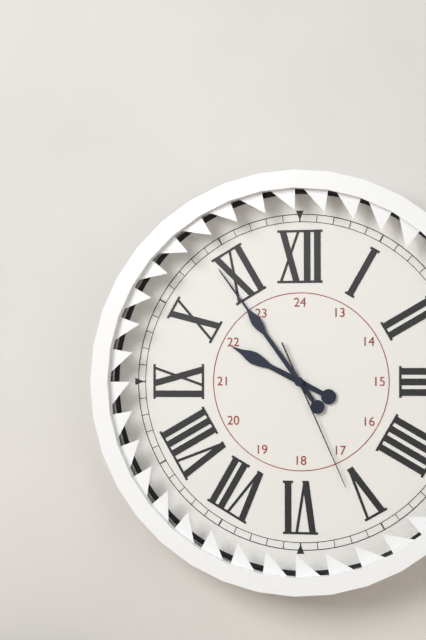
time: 9:54:26
